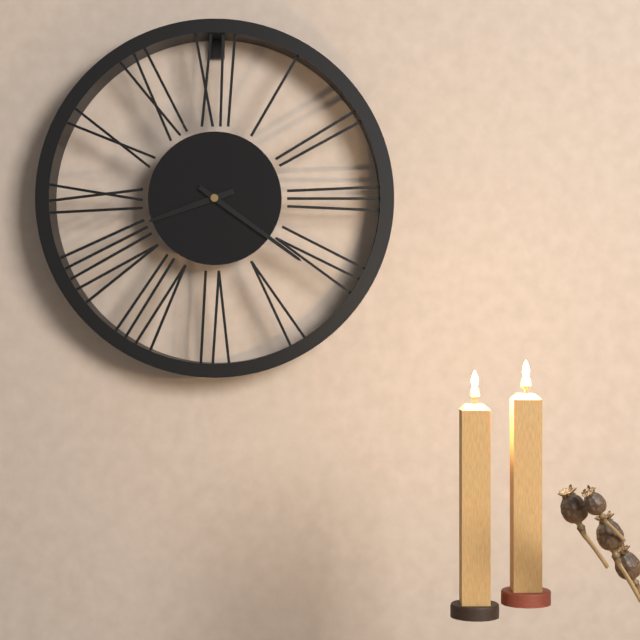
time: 8:21
